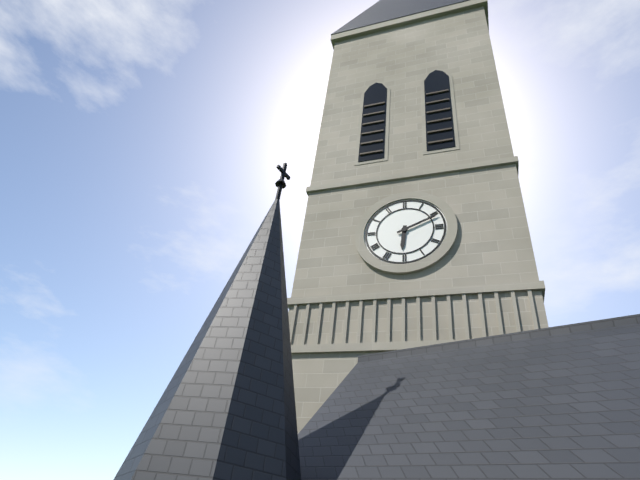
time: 6:11
